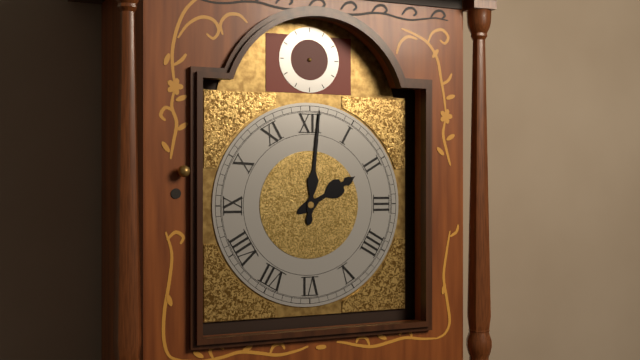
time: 2:01
